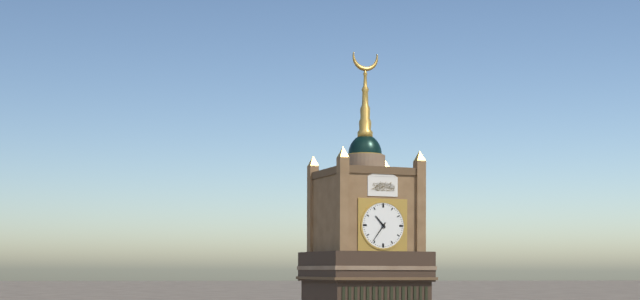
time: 10:36
